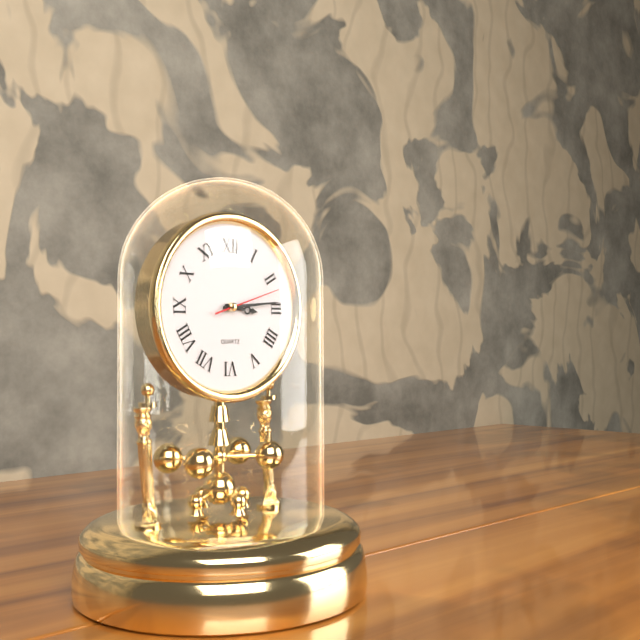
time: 3:14:12
